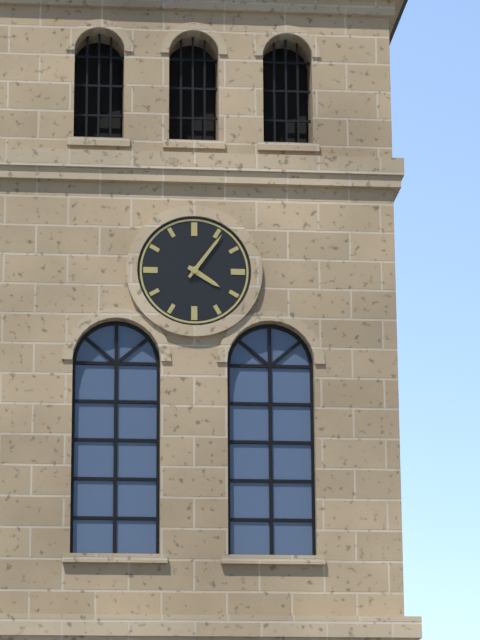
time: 4:06
